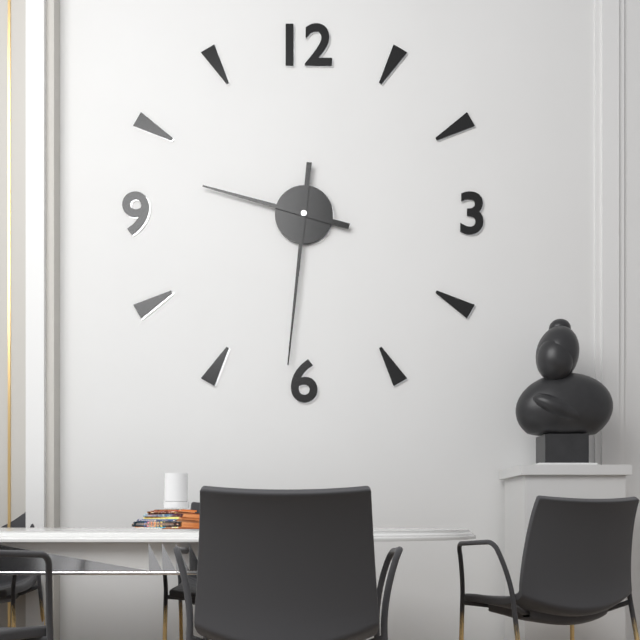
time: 9:31
